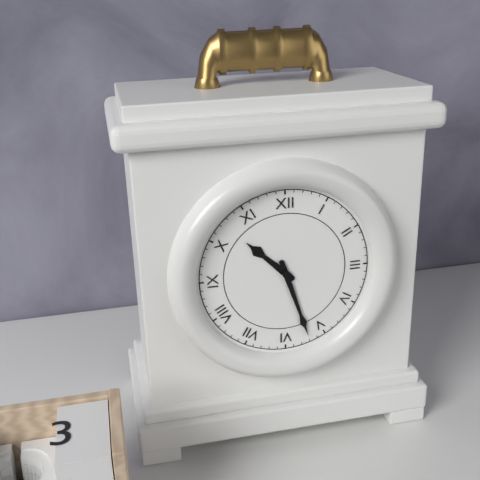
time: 10:27
